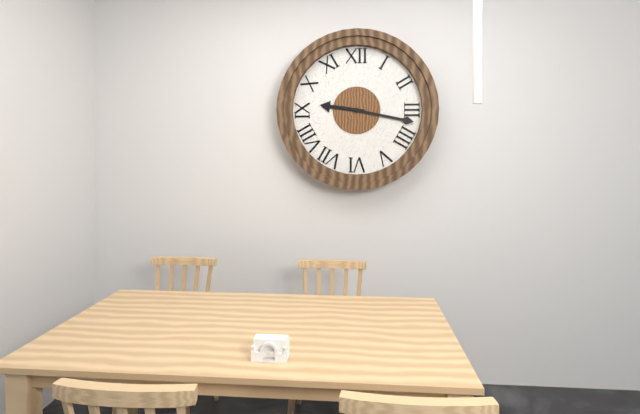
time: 9:17
